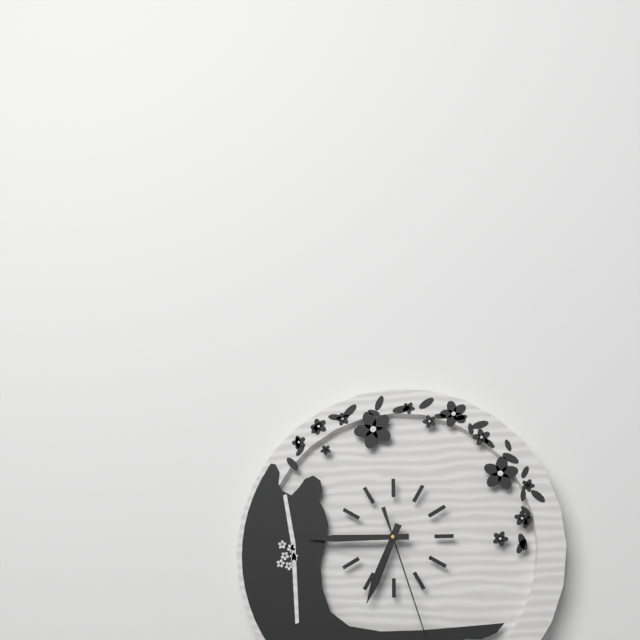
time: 6:45:27
